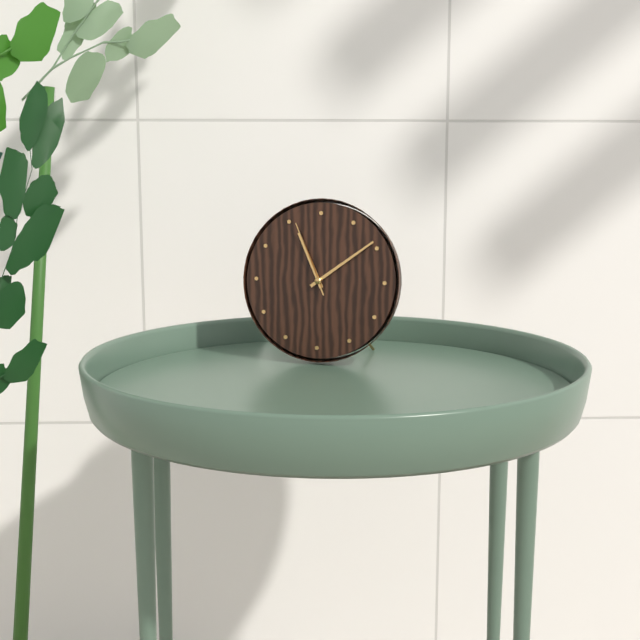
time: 11:09:56
